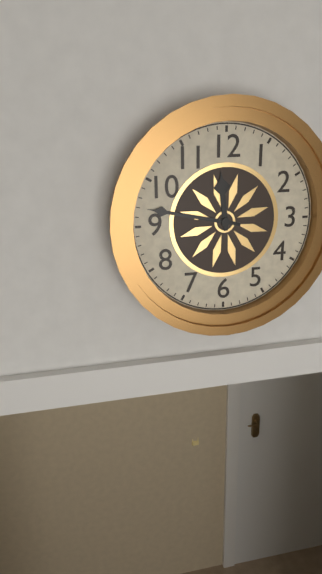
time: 11:47
